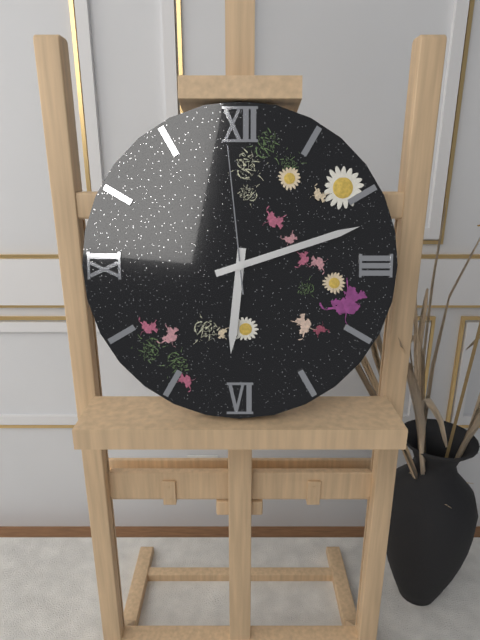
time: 6:12:59
